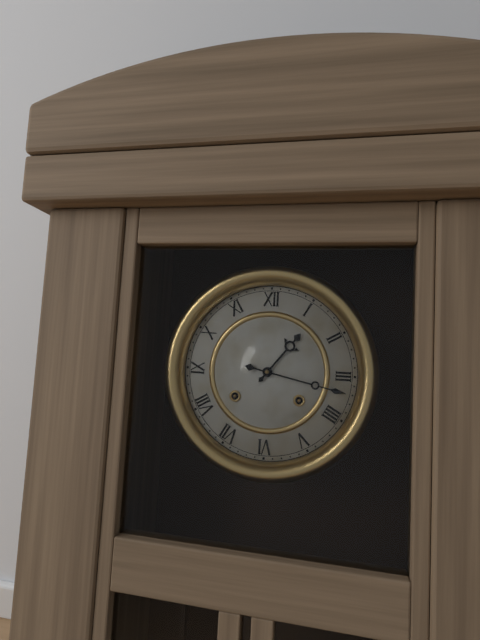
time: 1:17
